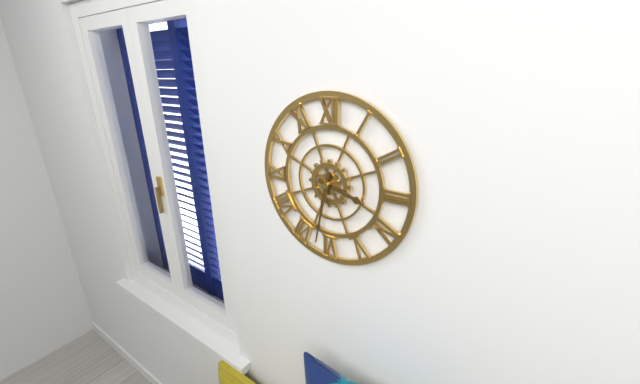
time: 3:32
